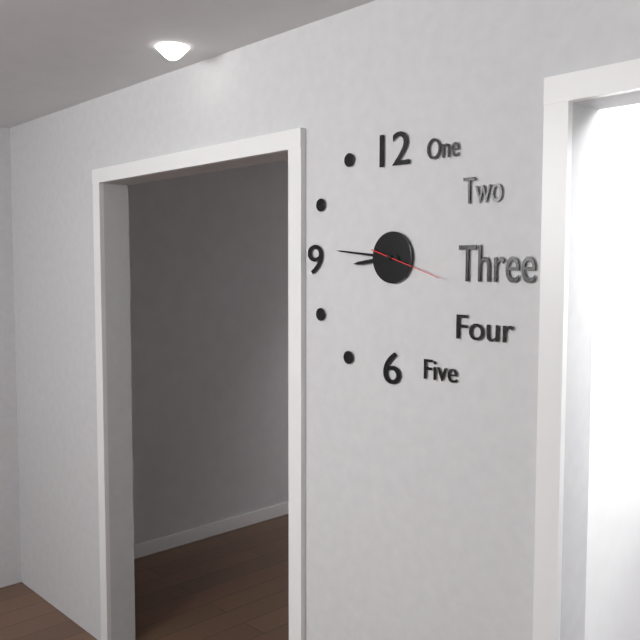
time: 8:46:18
